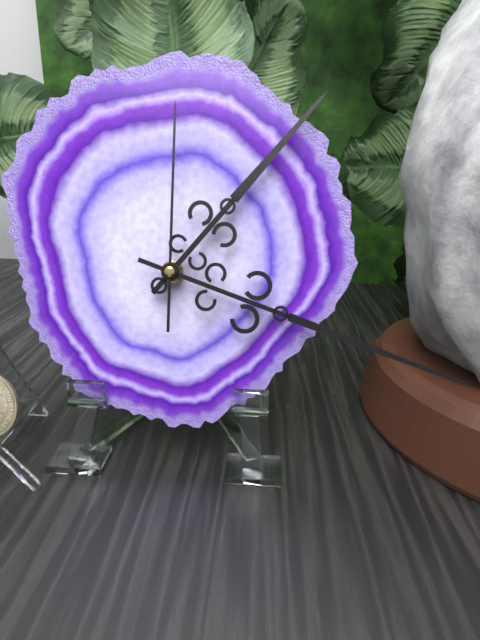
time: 1:18:00
